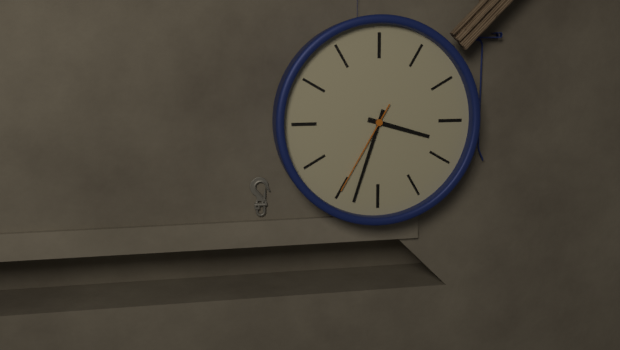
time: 3:33:35
